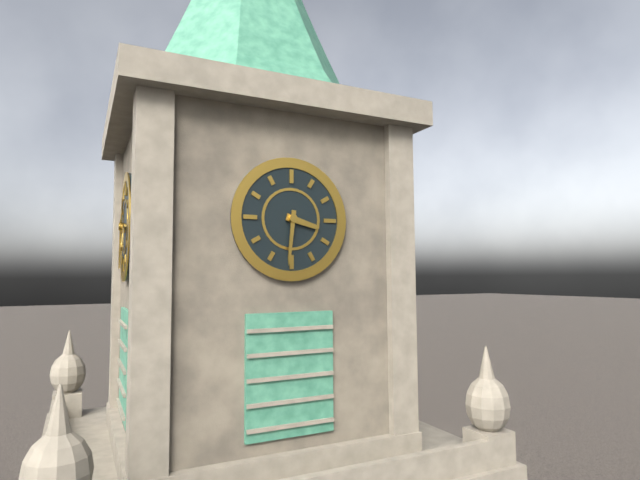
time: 3:31
